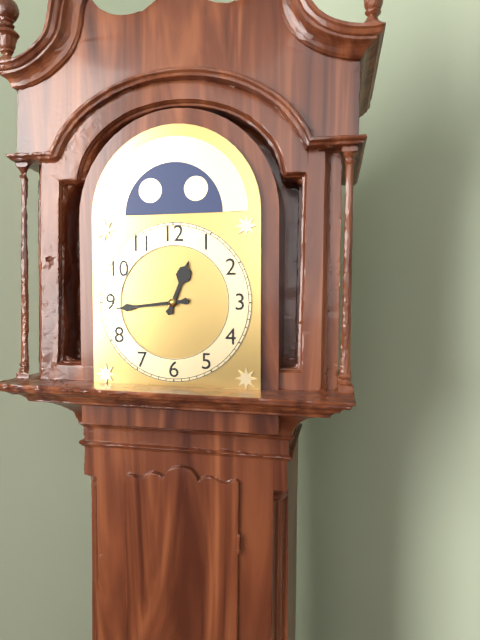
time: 12:44
